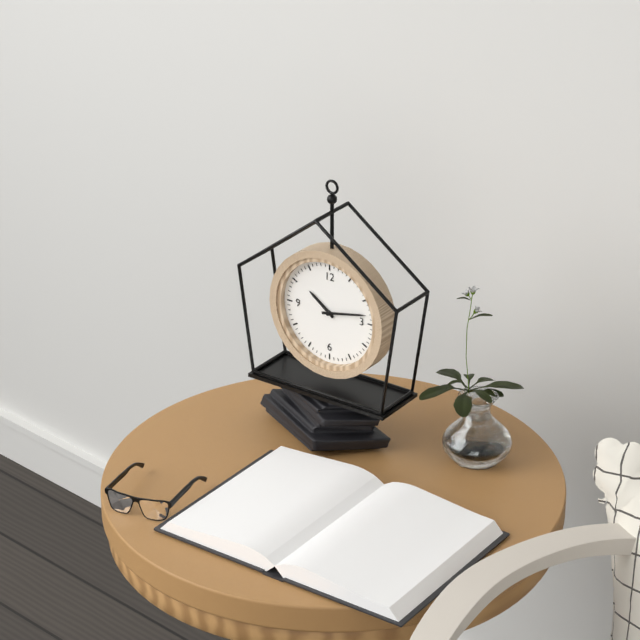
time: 10:13
